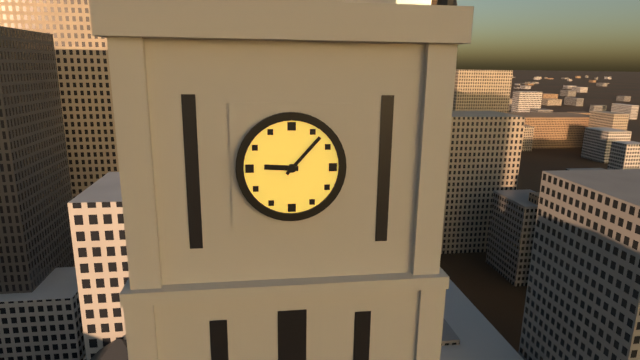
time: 9:07
